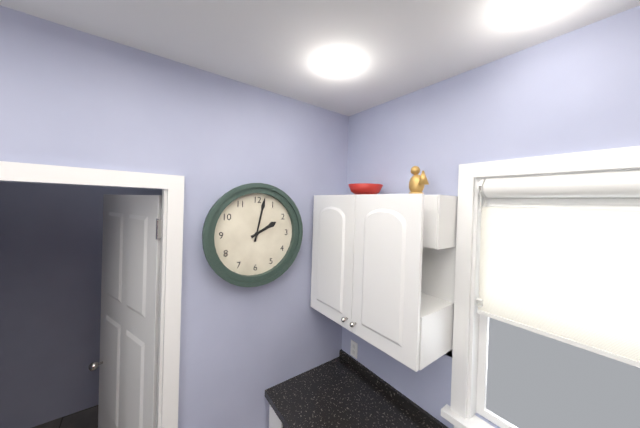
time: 2:02
